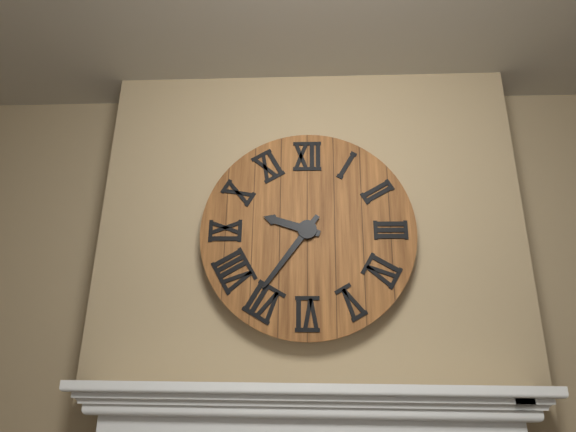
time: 9:36
